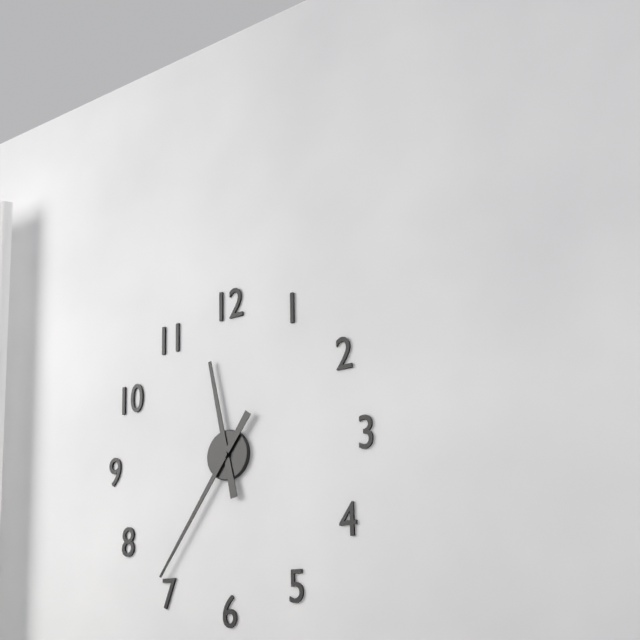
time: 11:36
